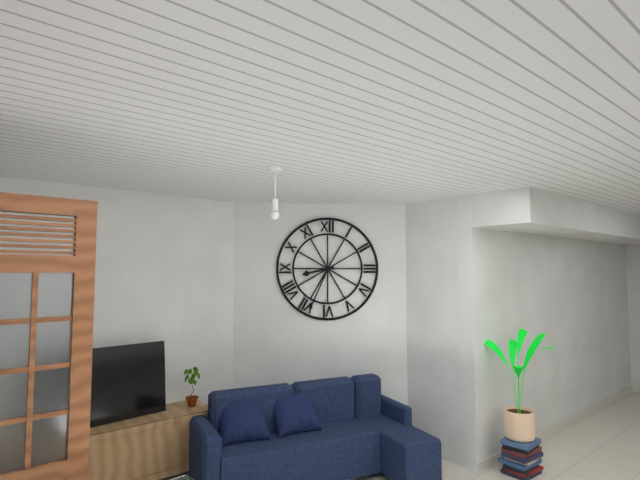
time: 8:34
